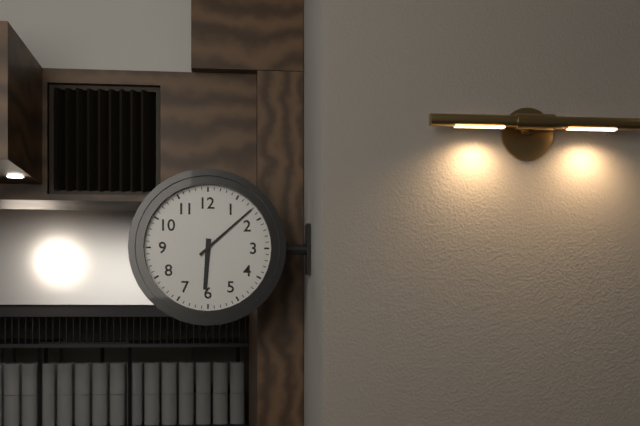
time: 6:08
